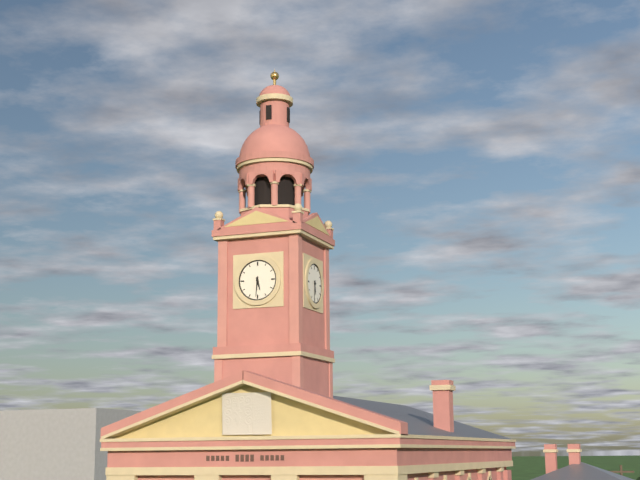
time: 5:31
